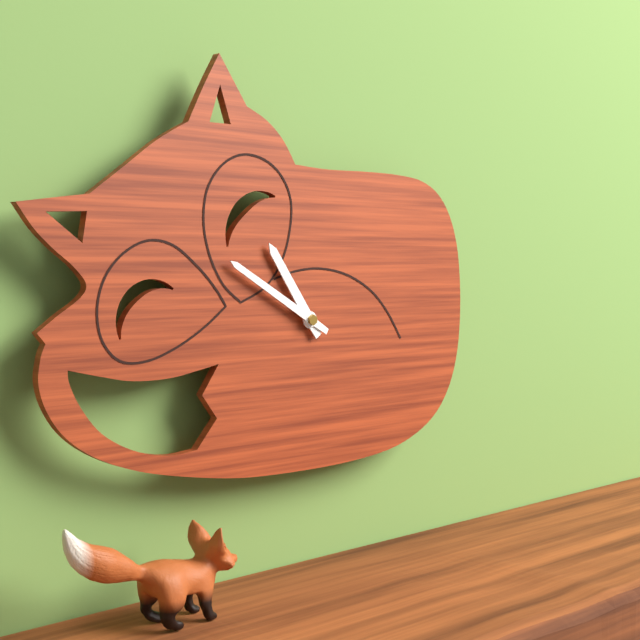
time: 10:50
